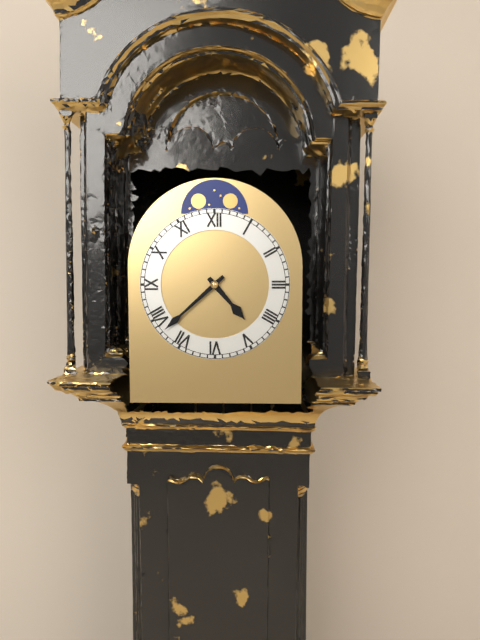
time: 4:38
